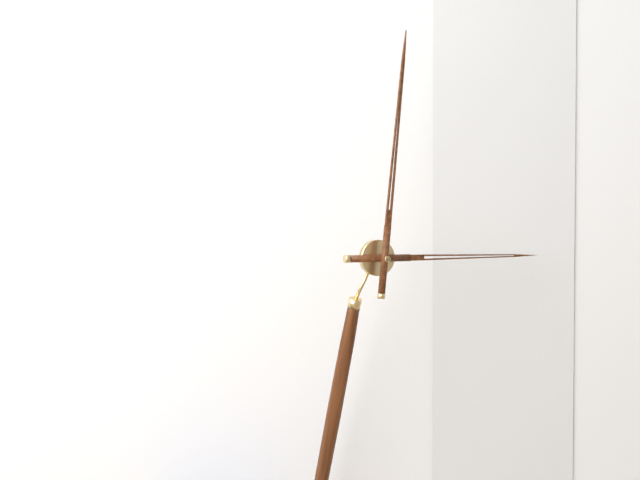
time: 3:01
